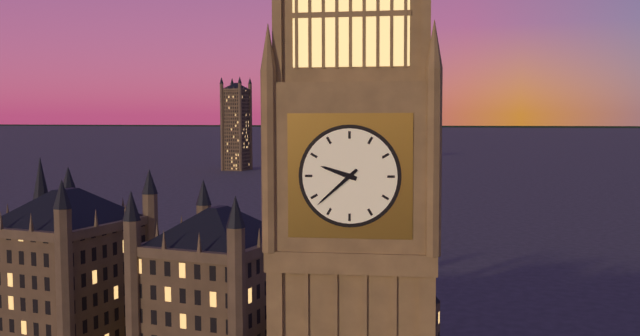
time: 9:38
